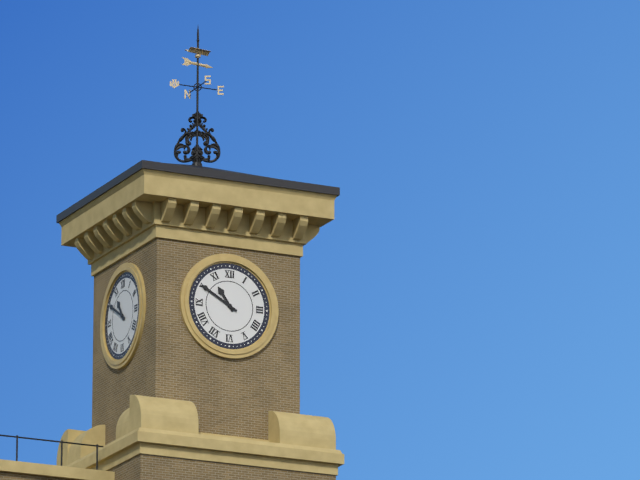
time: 10:50
